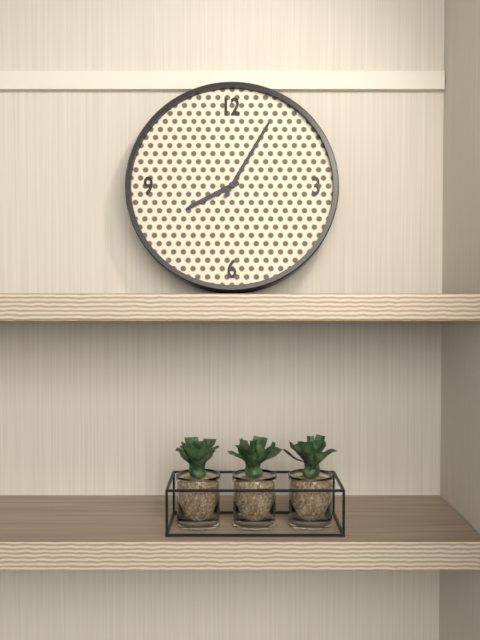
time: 8:05
